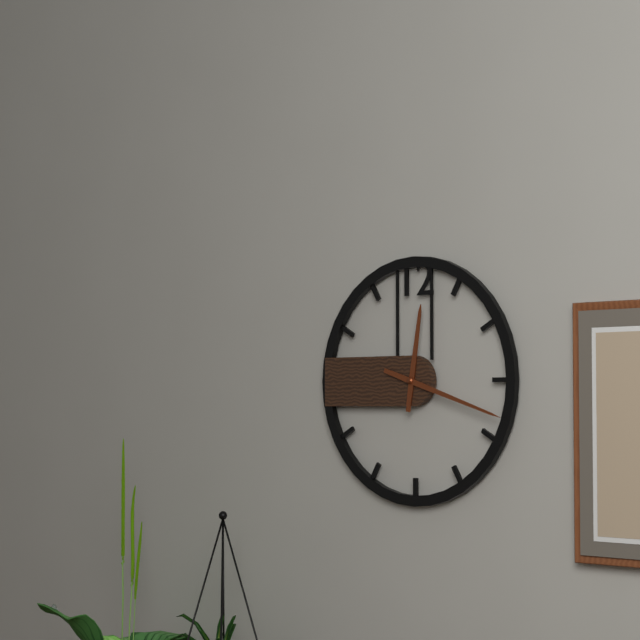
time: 12:18
